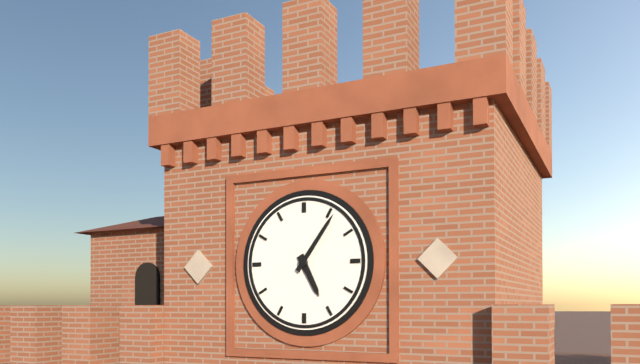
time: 5:06
